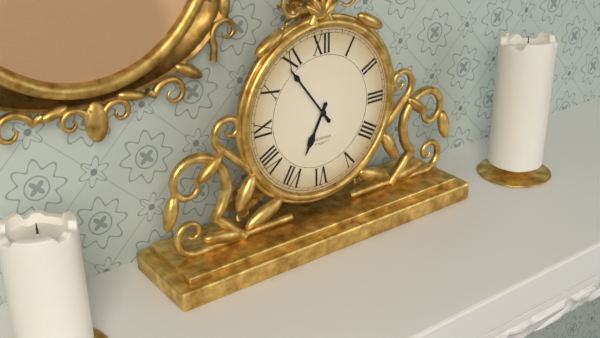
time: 6:54
